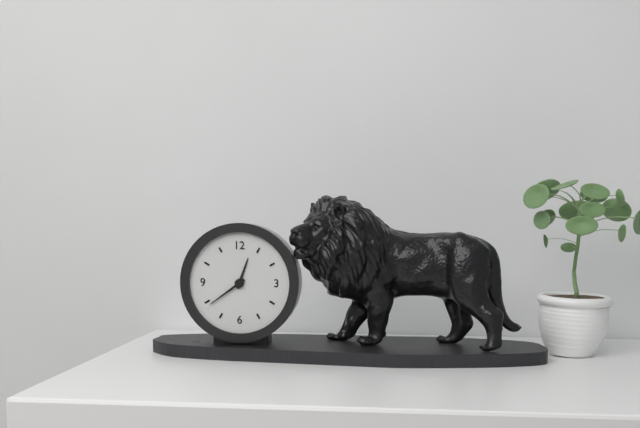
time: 12:39
